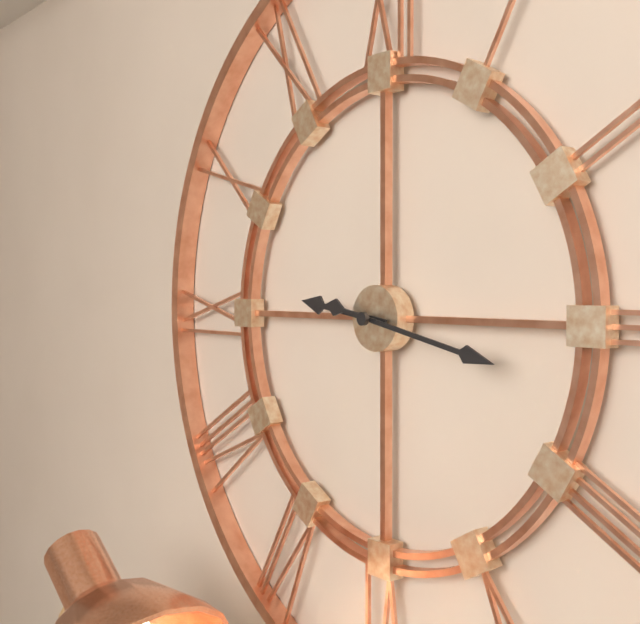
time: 9:17
